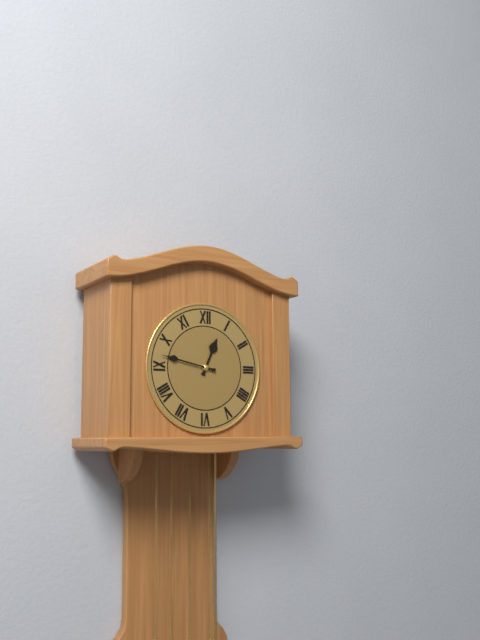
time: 12:47
